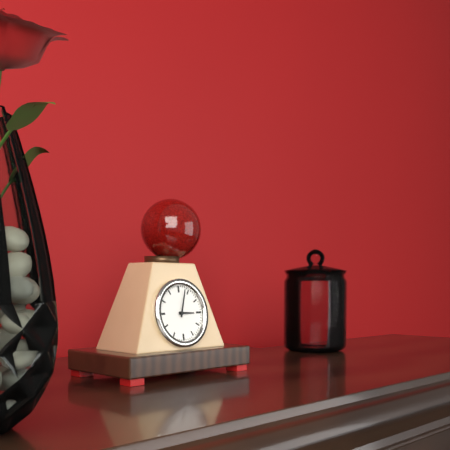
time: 3:03
